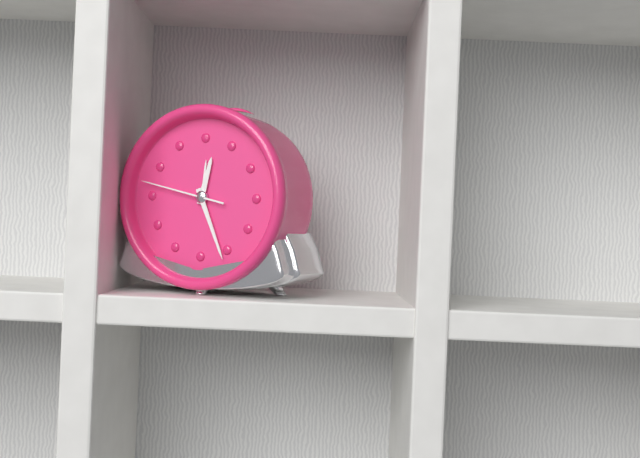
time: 12:26:47
